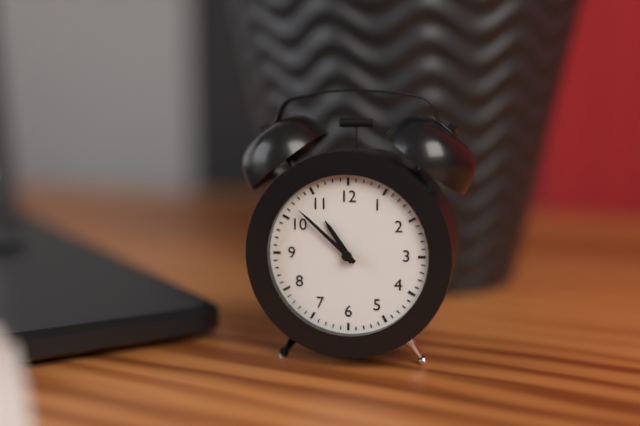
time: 10:52
